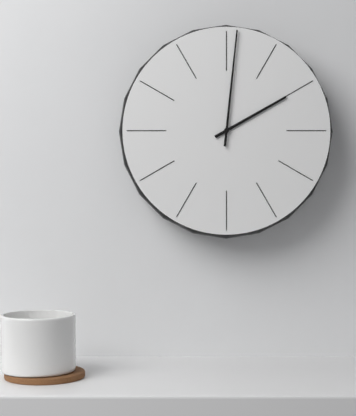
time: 2:01
